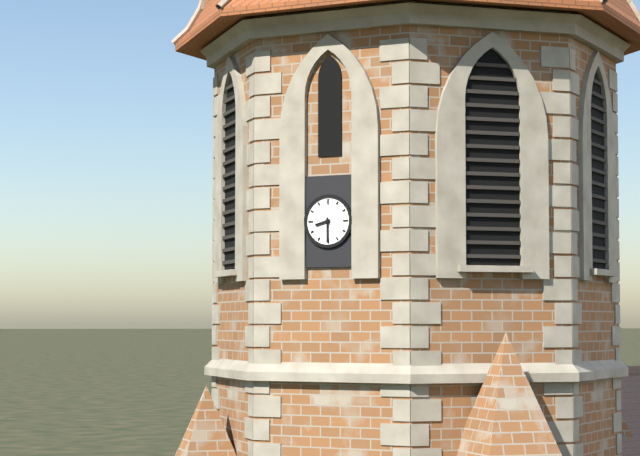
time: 8:30
